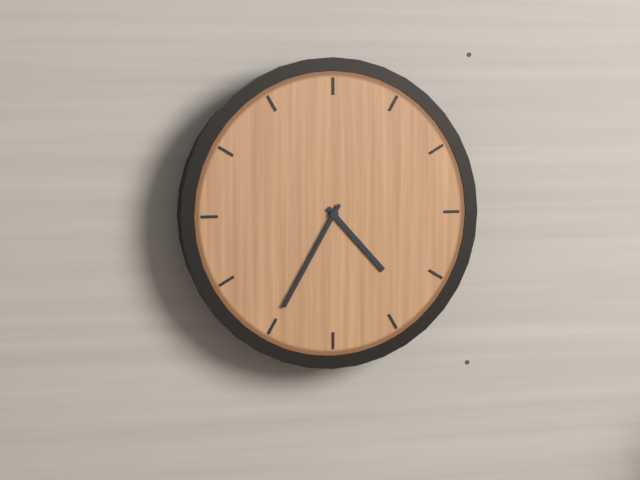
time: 4:35
